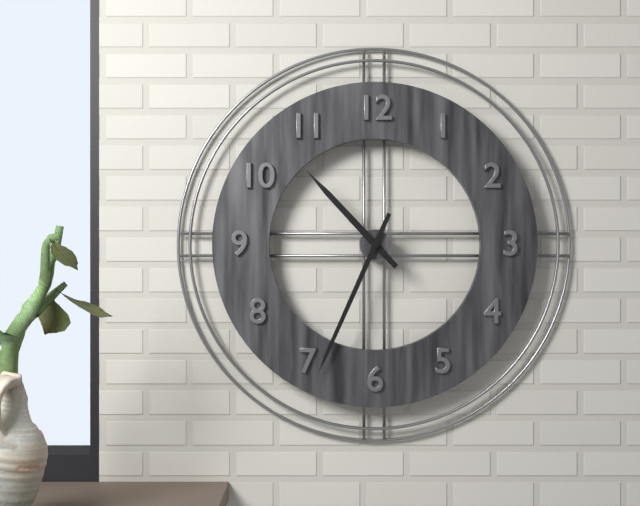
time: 10:34
